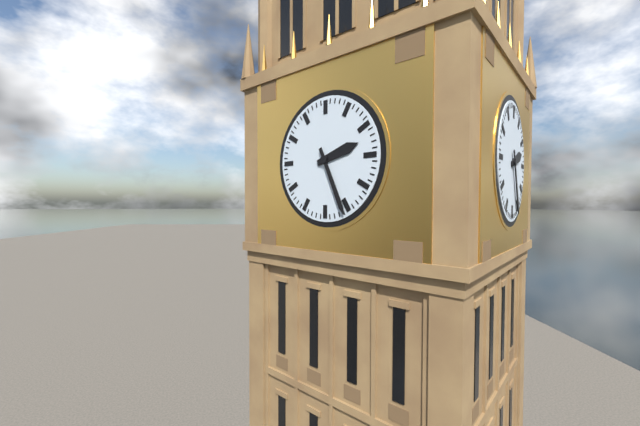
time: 2:26
